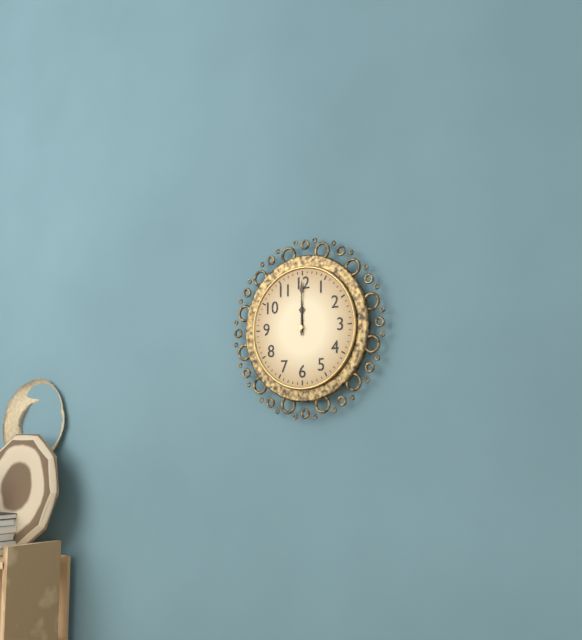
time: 12:00
